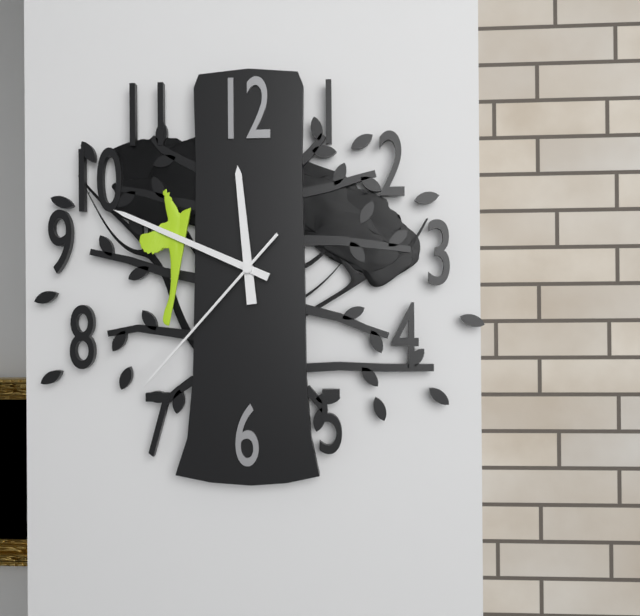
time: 11:49:37
